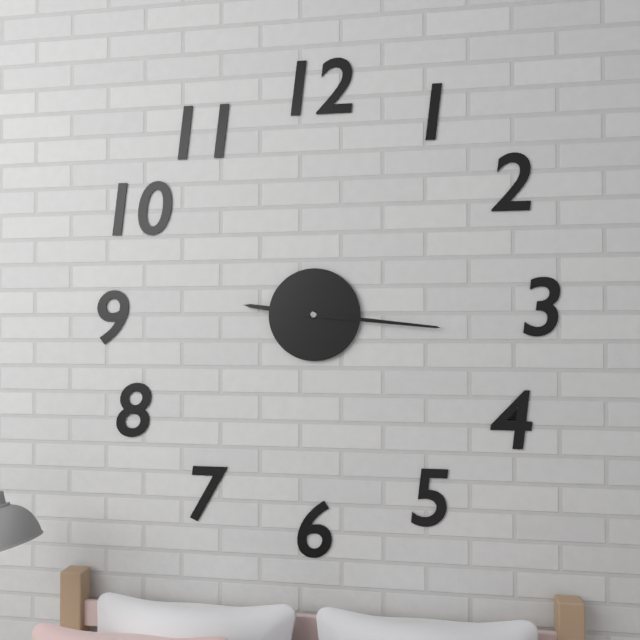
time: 9:16
